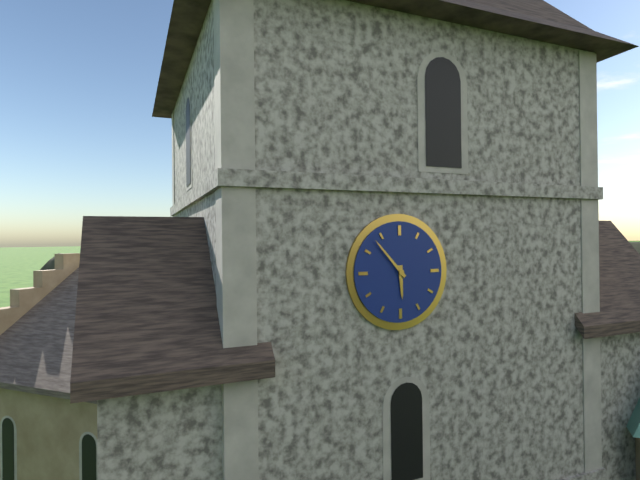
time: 5:53
